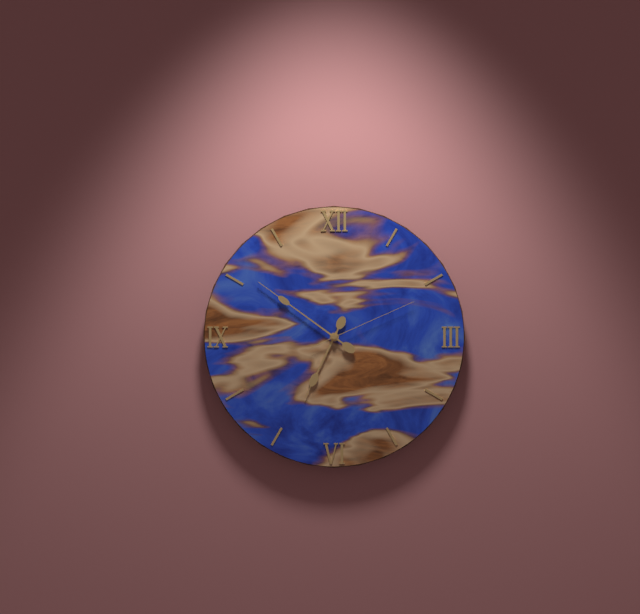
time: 6:51:11
